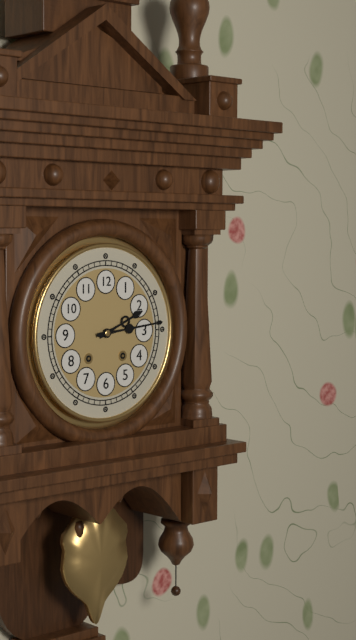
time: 2:14
